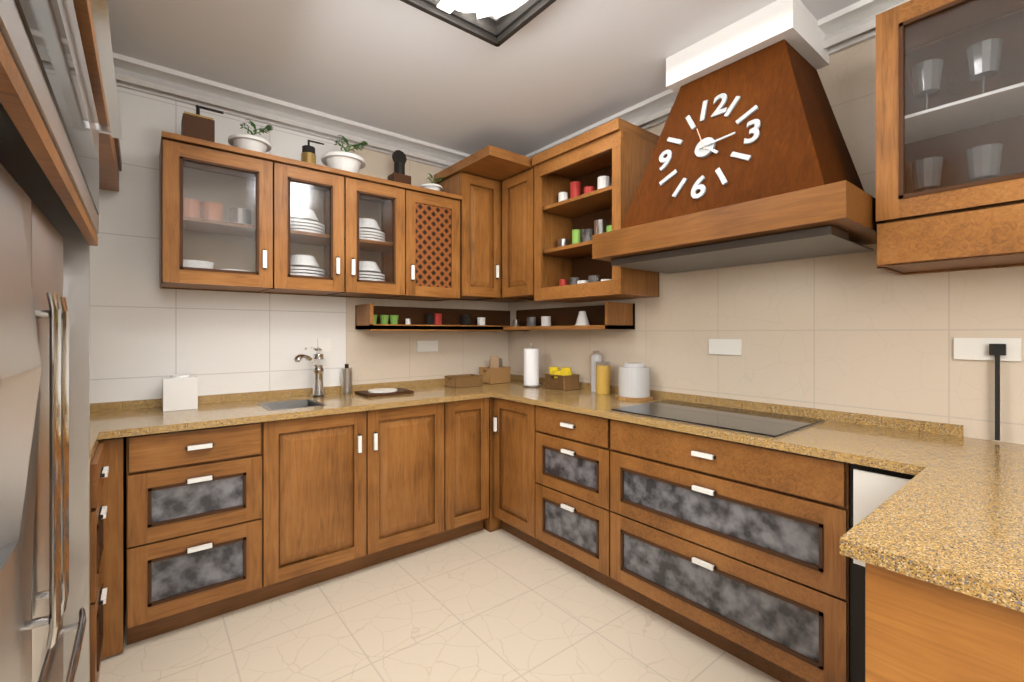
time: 4:14
